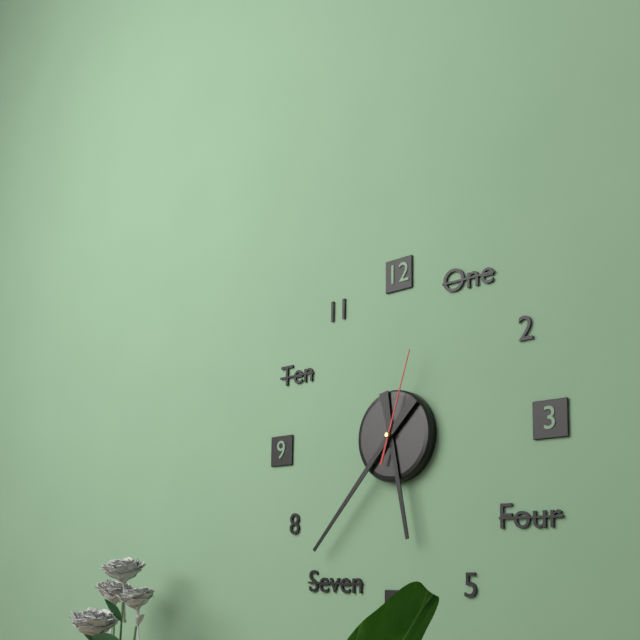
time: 5:37:03
